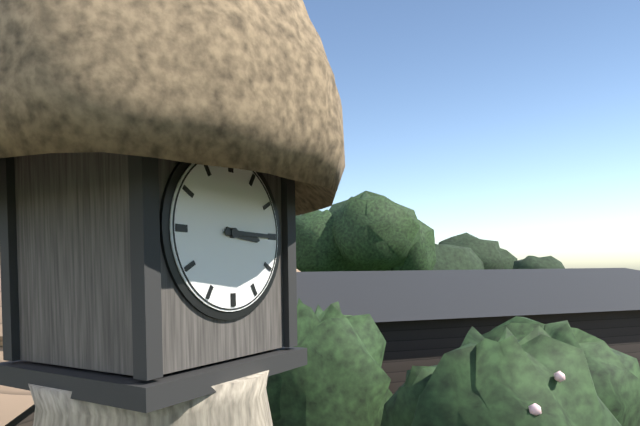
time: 3:15
